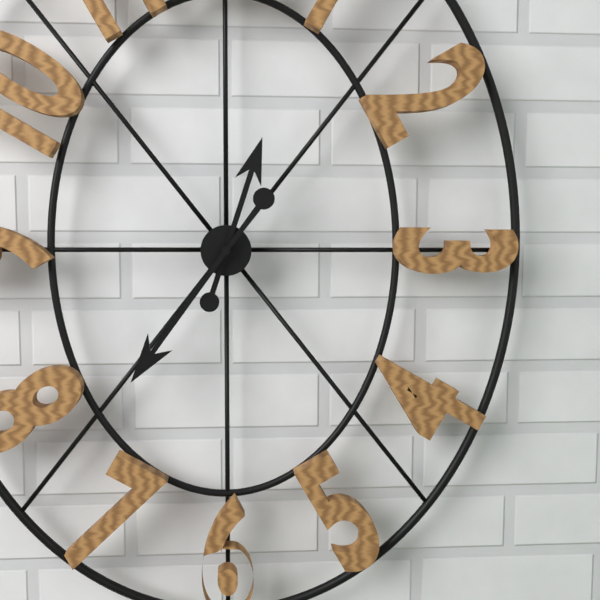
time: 12:36
